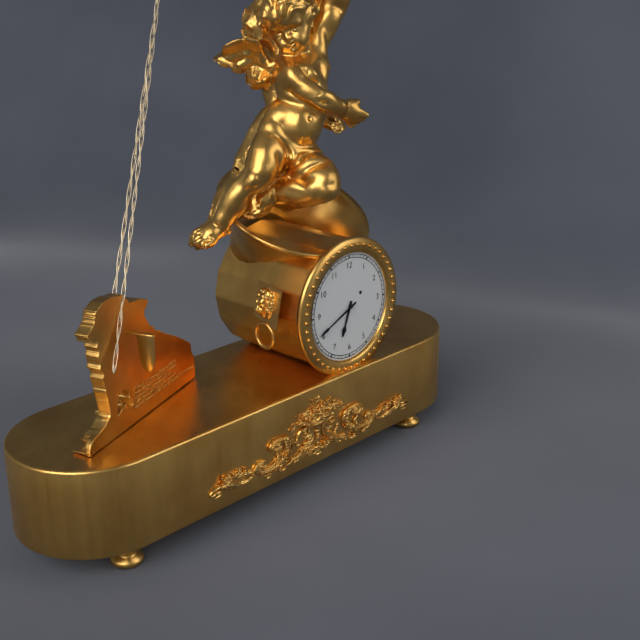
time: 6:41
